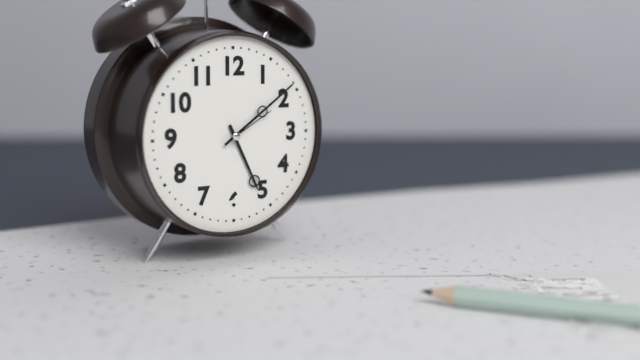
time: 5:09:10
